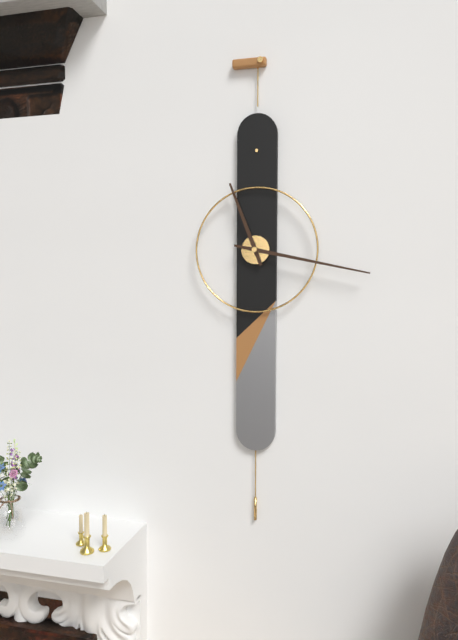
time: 11:17
